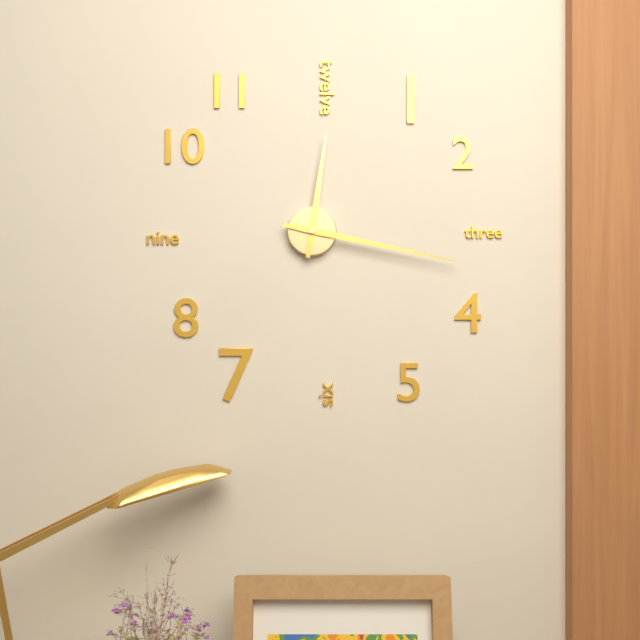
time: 12:17
